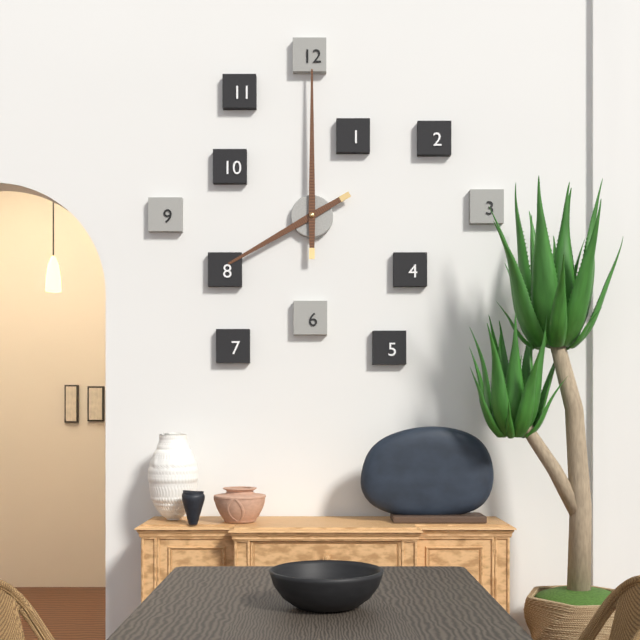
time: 8:00
